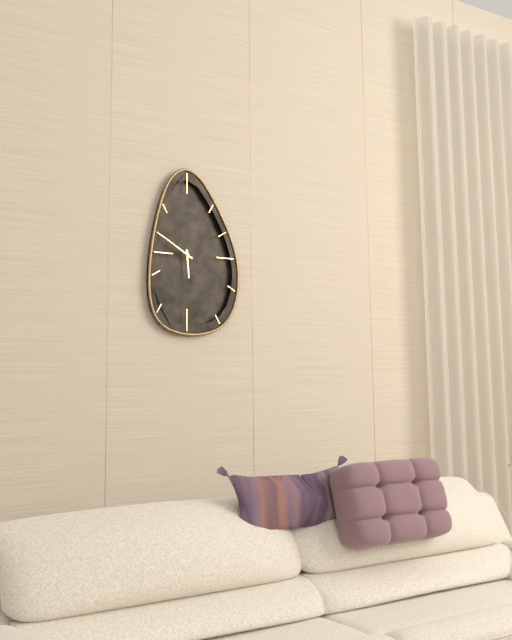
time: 5:50
